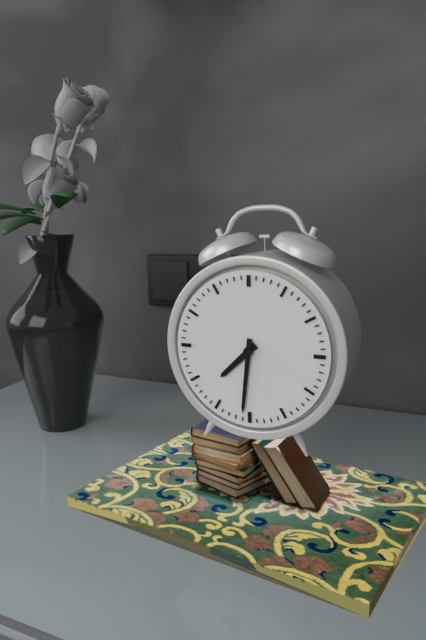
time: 7:31
